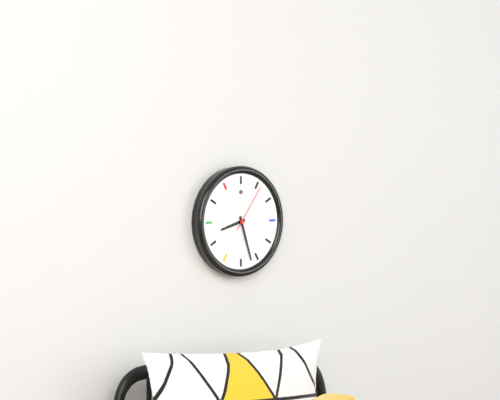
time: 8:27
